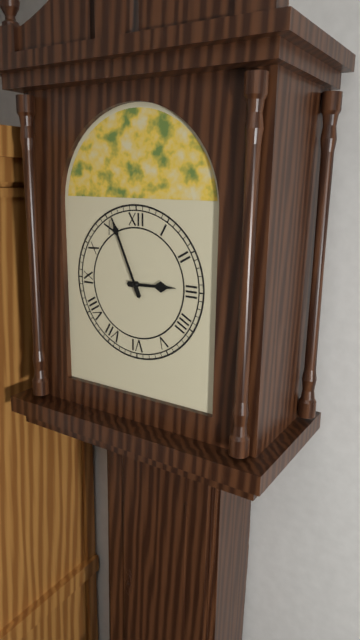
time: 2:56
